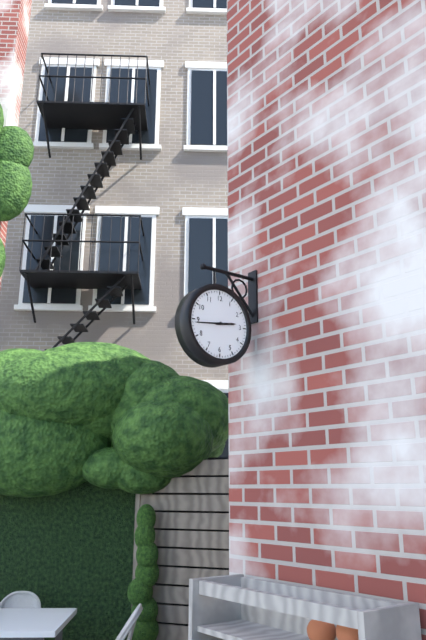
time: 2:44
